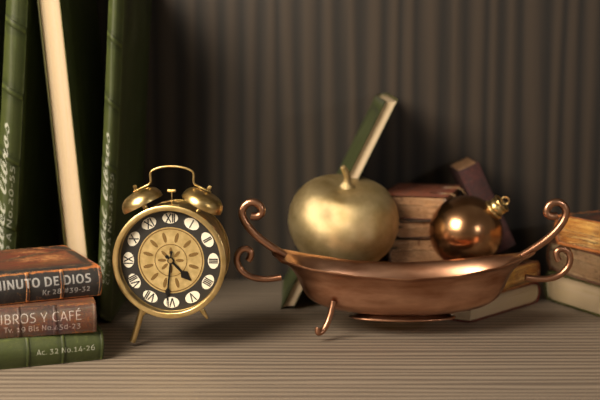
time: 4:31
